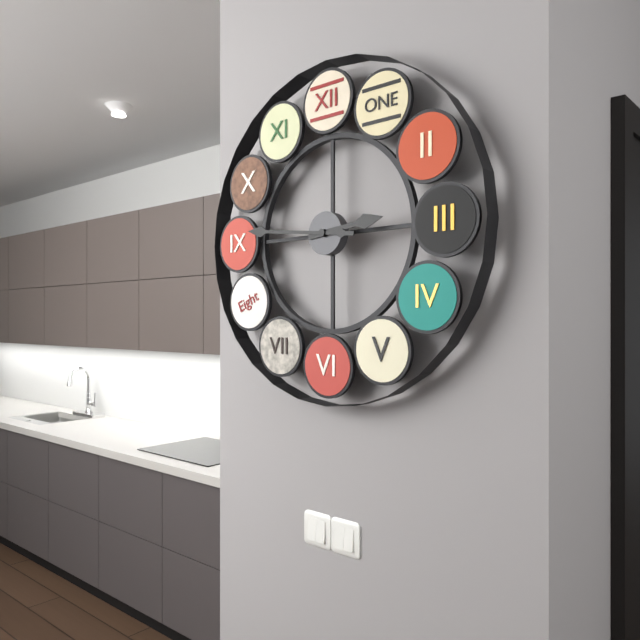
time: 2:46
